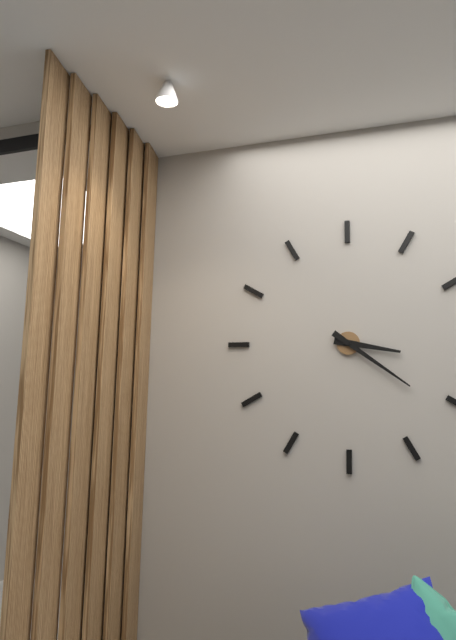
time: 3:21
